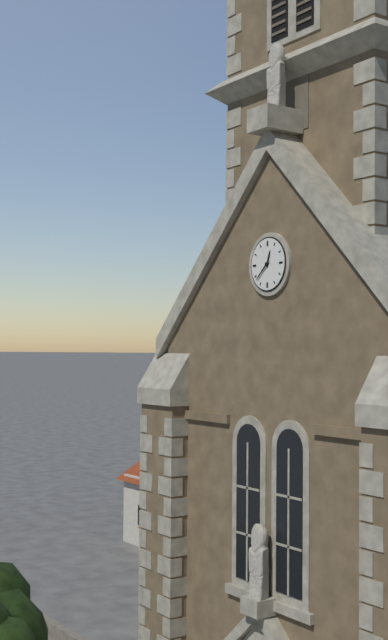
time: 12:38
